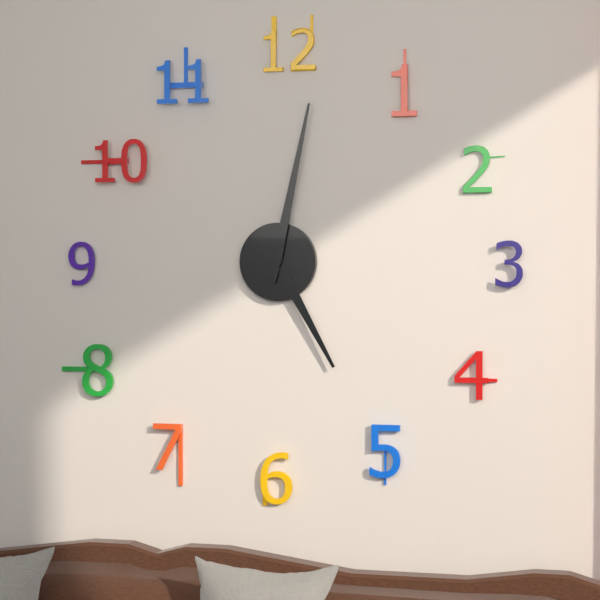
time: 5:02
